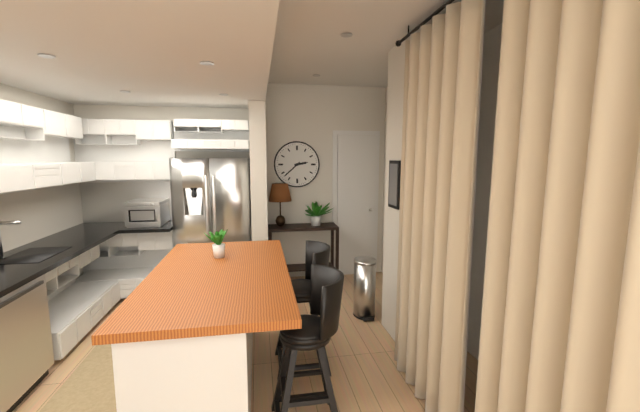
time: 2:38
